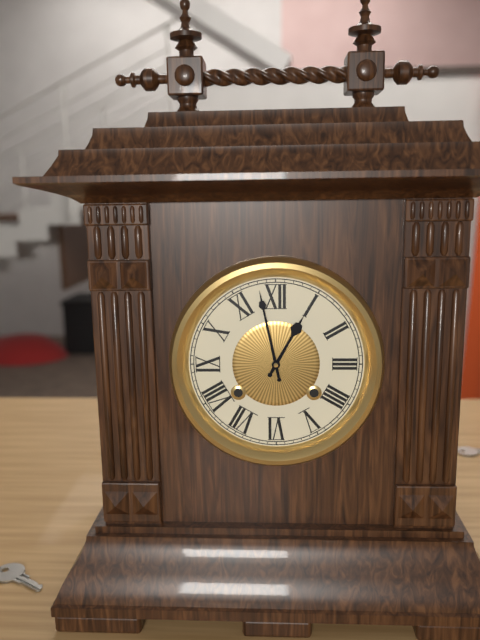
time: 12:58
